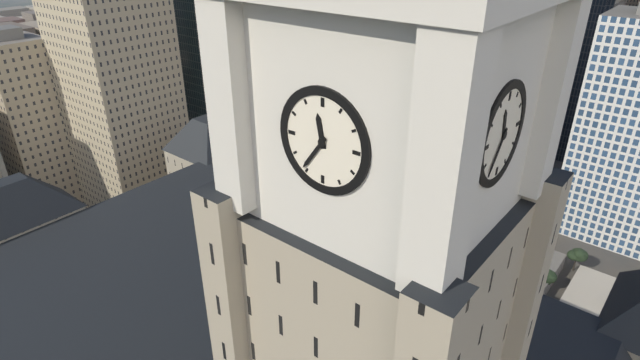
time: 11:36
